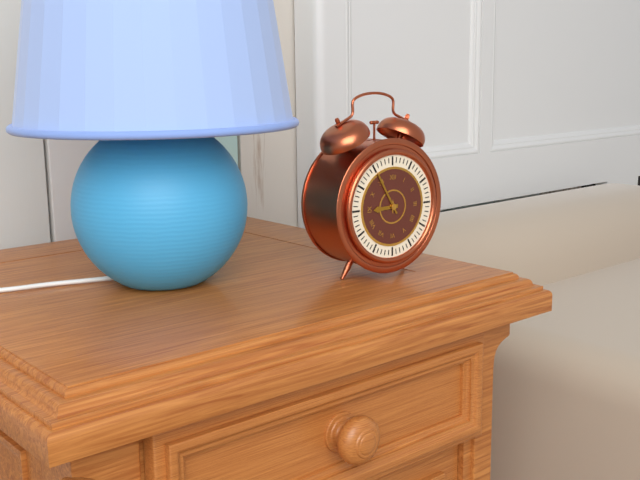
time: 8:55
